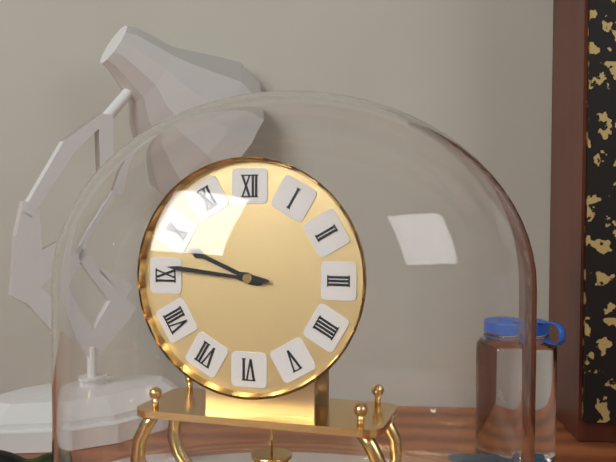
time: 9:46
